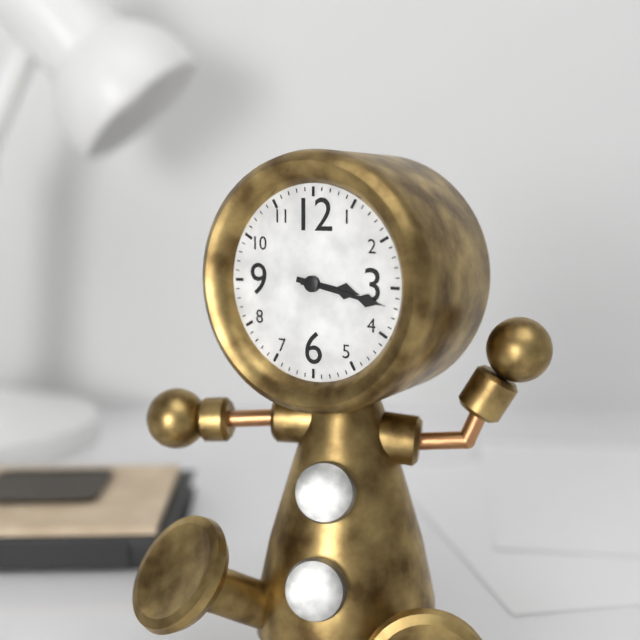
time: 3:17
